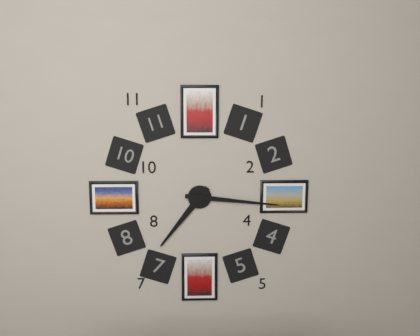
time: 7:16
